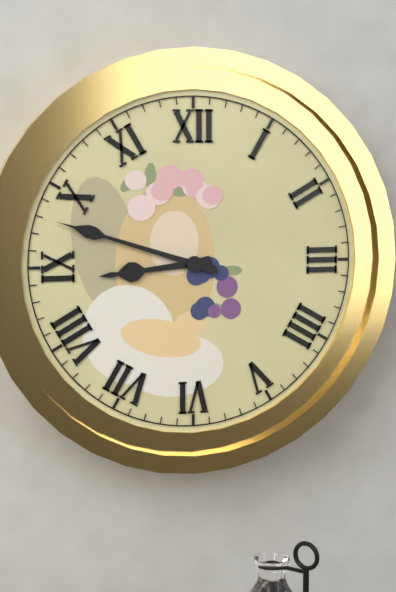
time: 8:48
